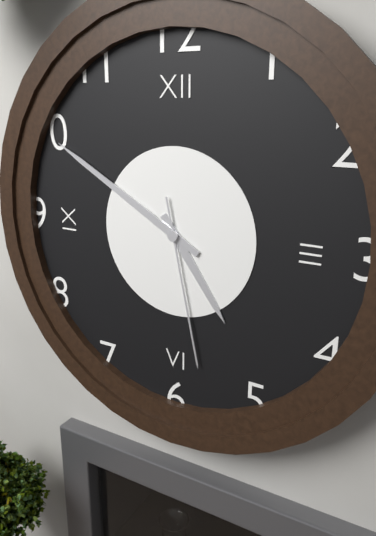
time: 4:50:28
